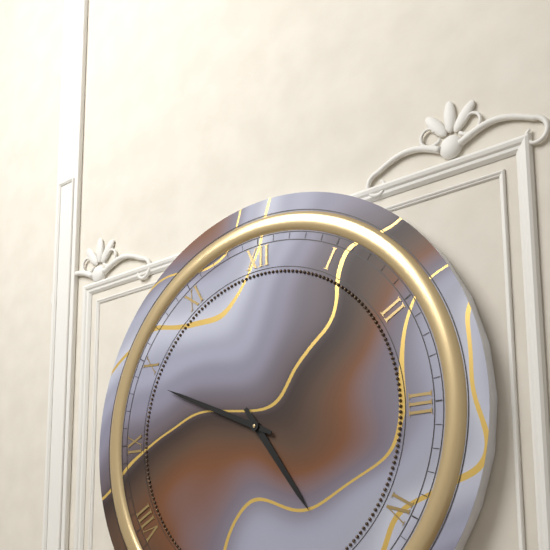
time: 4:49
